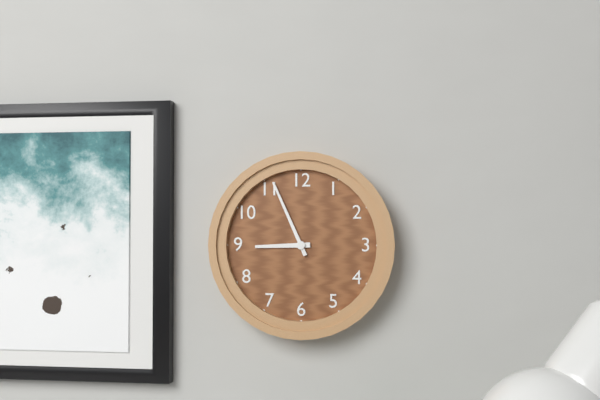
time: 8:56
